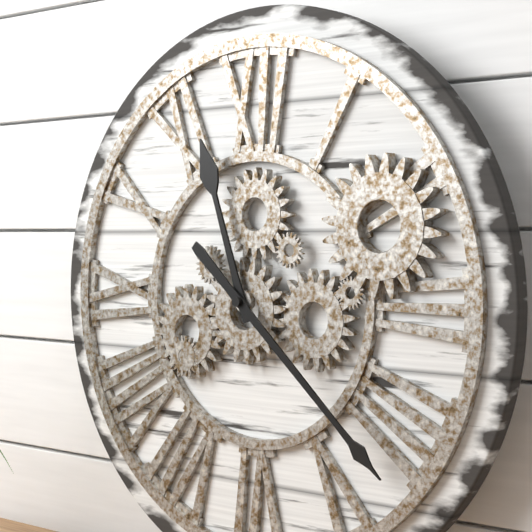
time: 11:22
